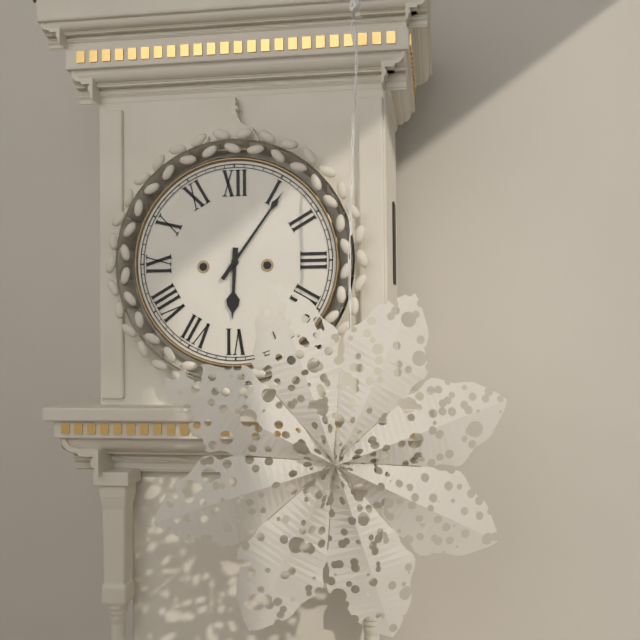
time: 6:06
